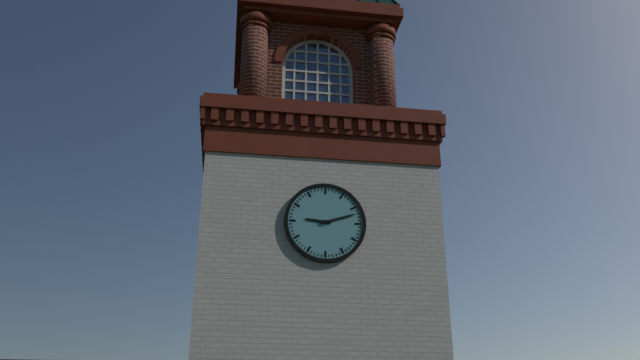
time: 9:12
